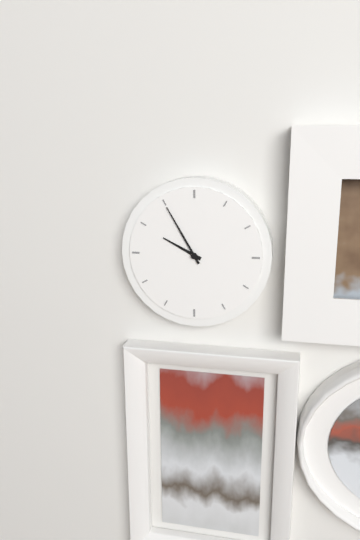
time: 9:55
